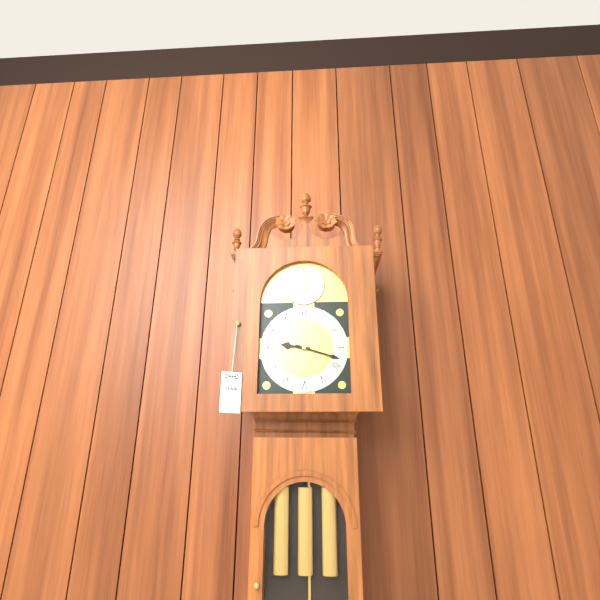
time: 9:18
